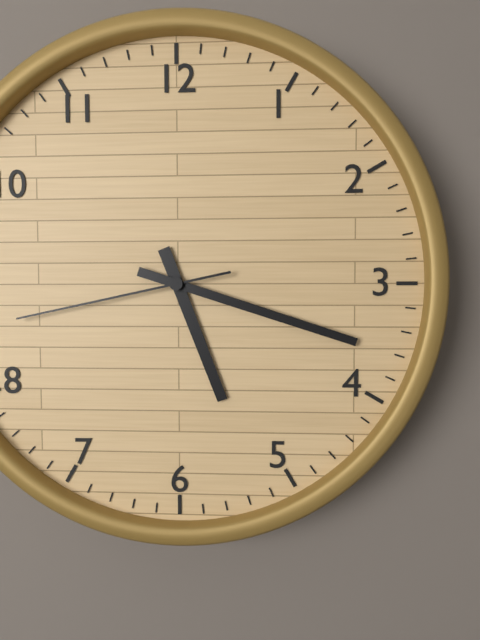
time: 5:18:43
